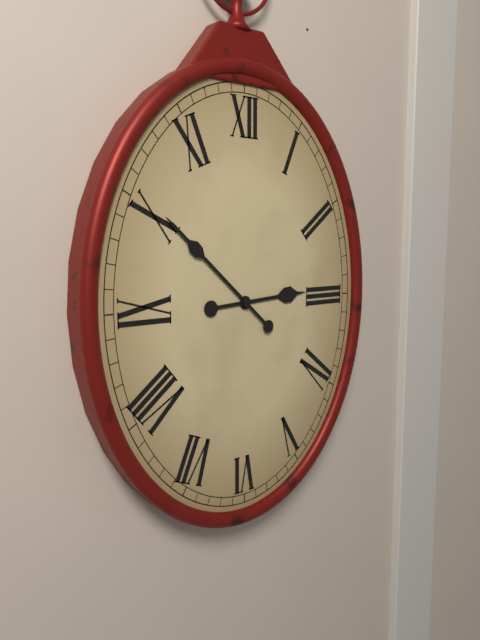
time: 2:52
